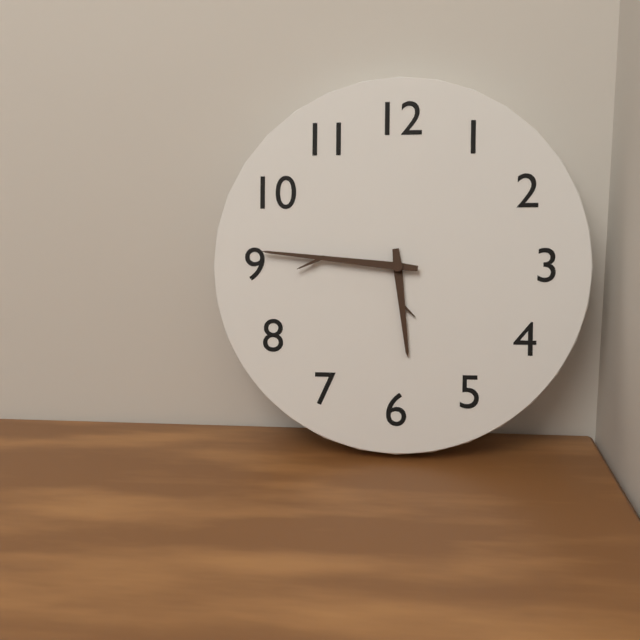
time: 5:46
